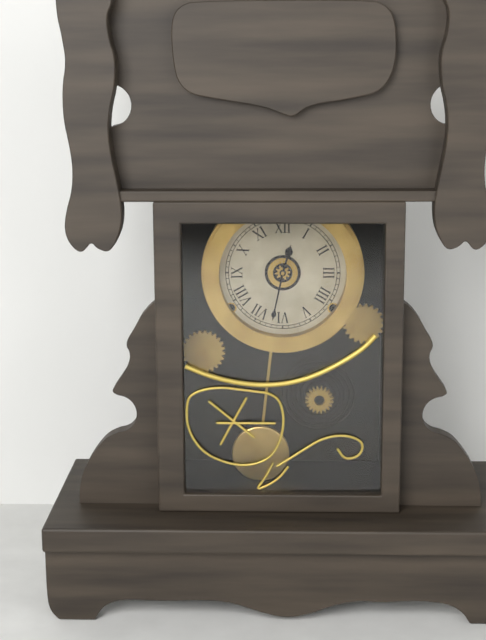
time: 12:32
